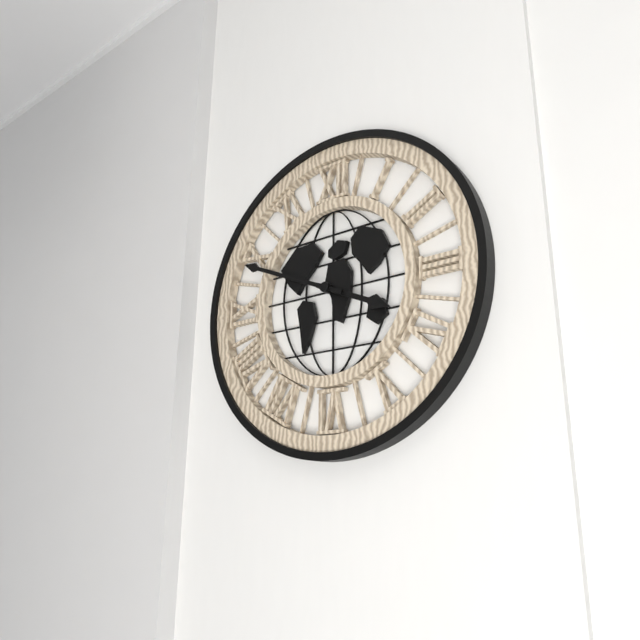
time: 3:49
